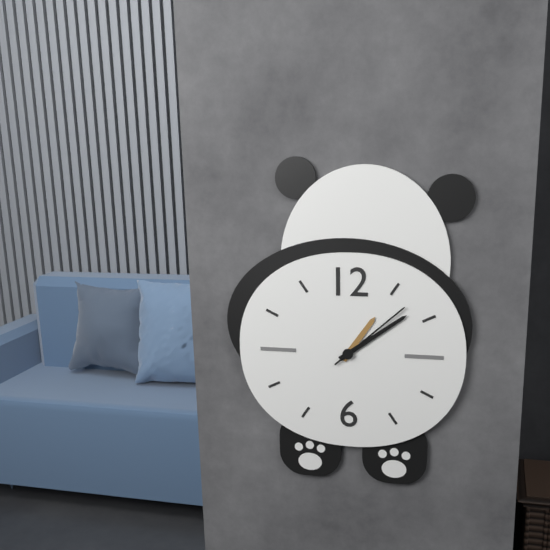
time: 1:09:08
